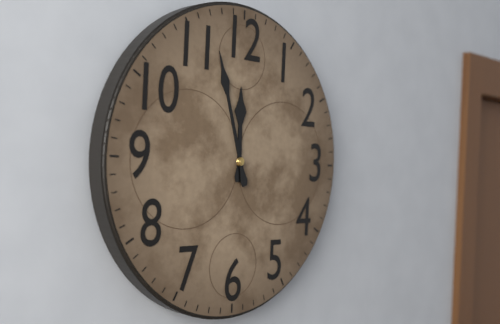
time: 11:57
